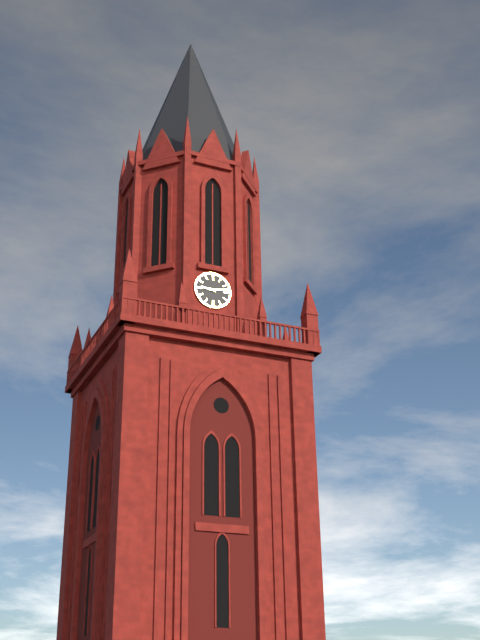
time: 9:13
